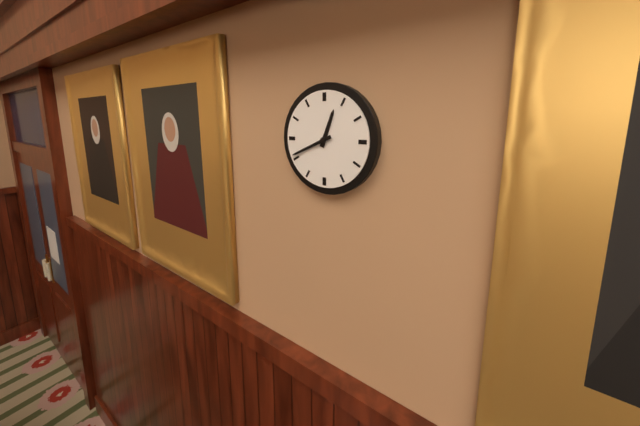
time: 12:41
